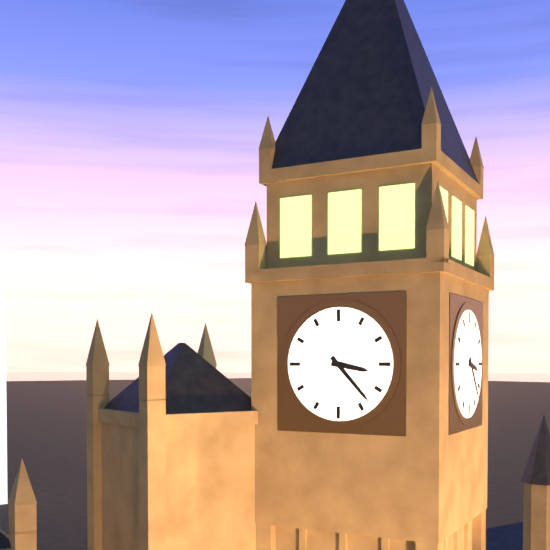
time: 3:23
